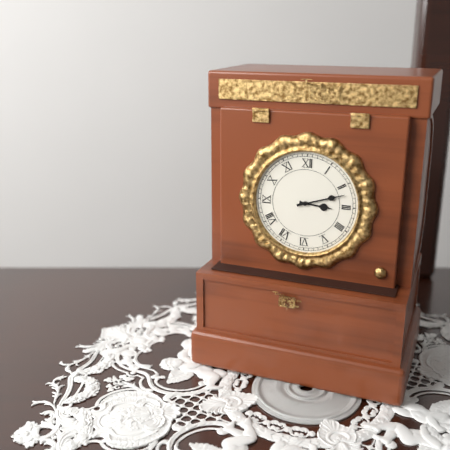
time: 3:12
